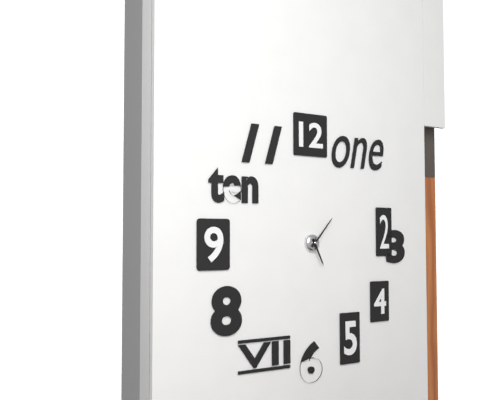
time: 5:07
